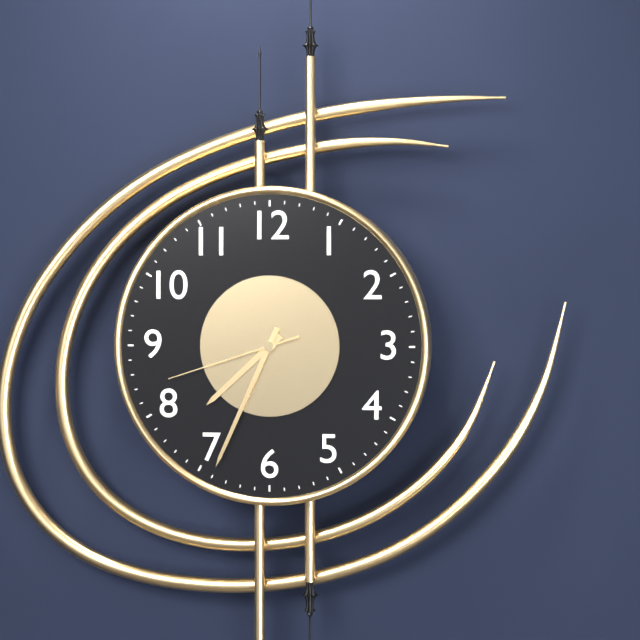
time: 7:34:42
